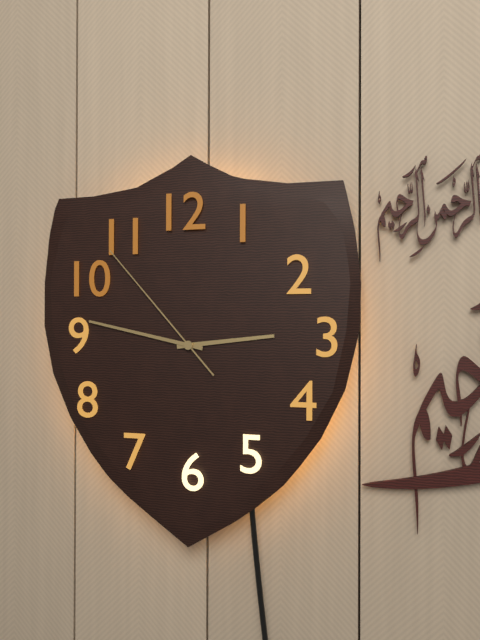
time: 2:47:53
